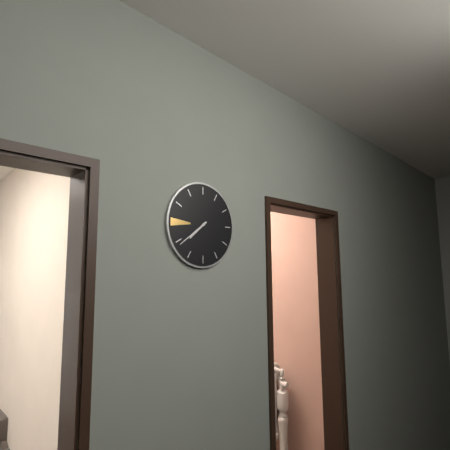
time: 7:39
